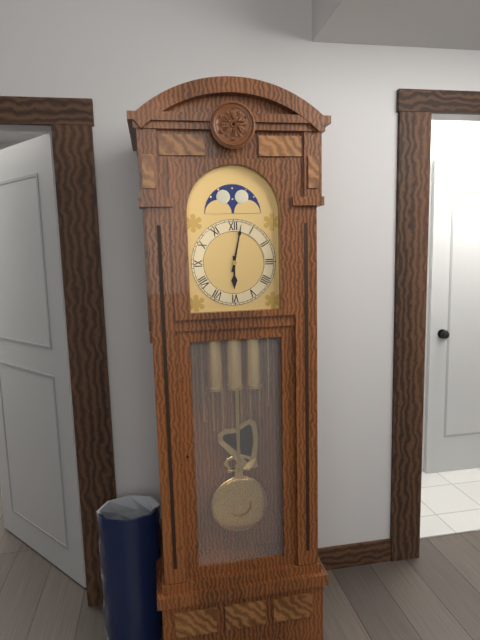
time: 6:02
